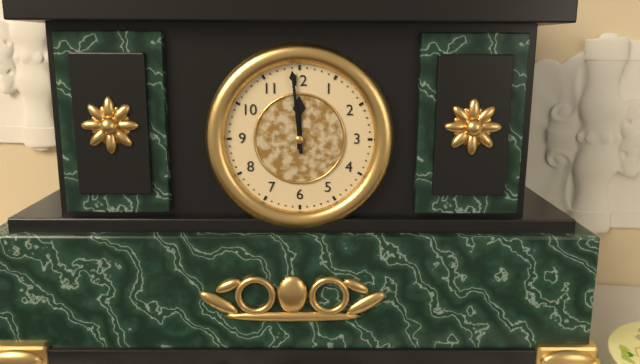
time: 11:59
